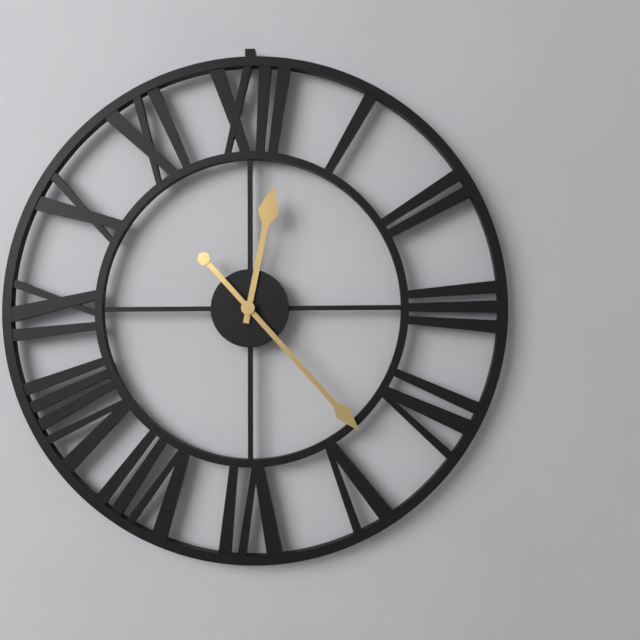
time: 12:23
